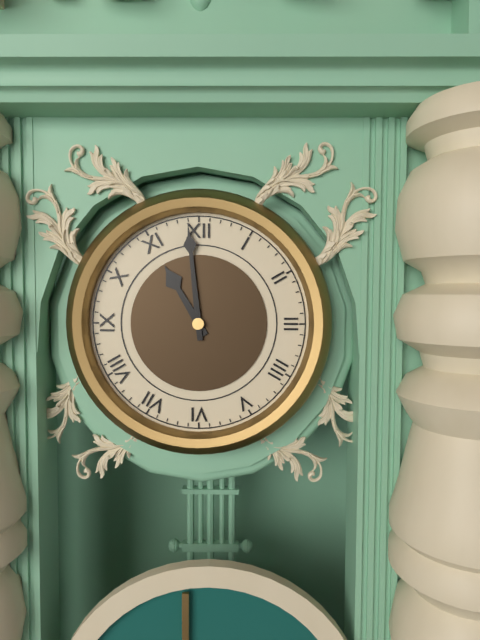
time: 10:59
